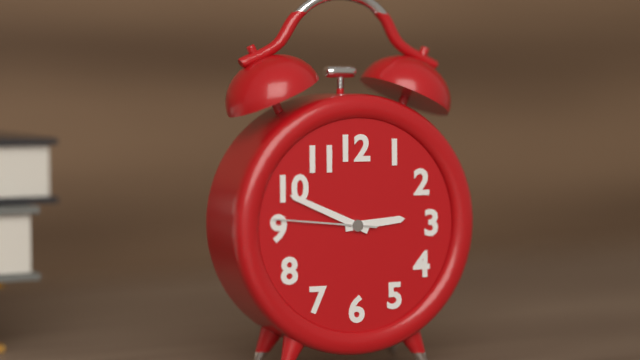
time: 2:49:46
